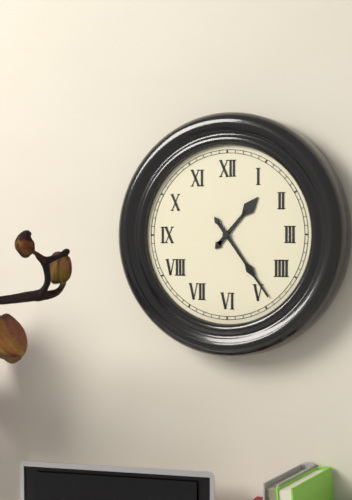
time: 1:24
